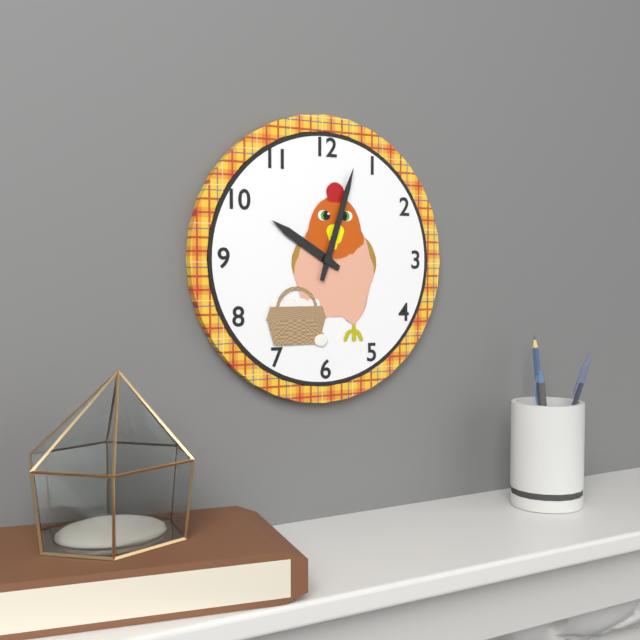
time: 10:03
